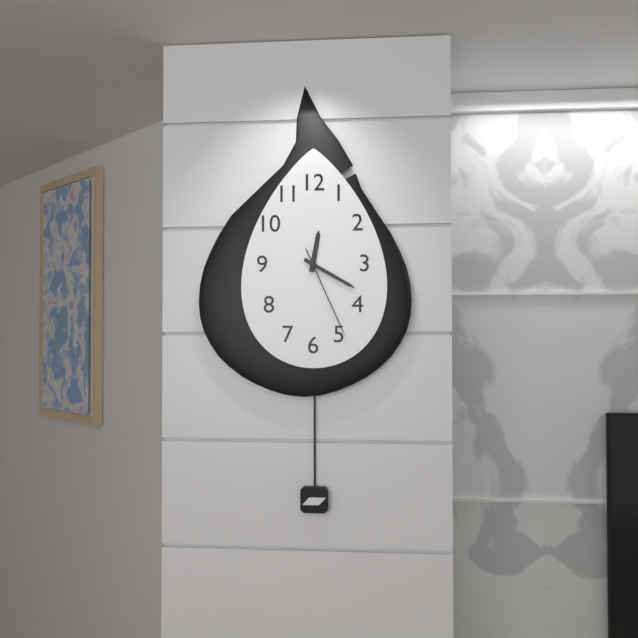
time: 12:20:26
